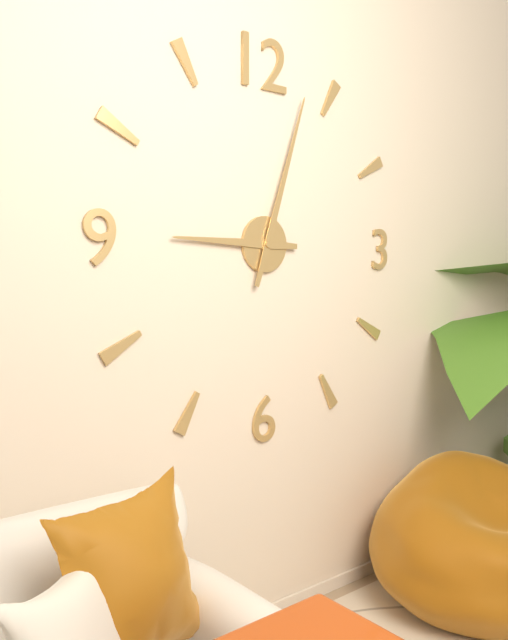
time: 9:03
